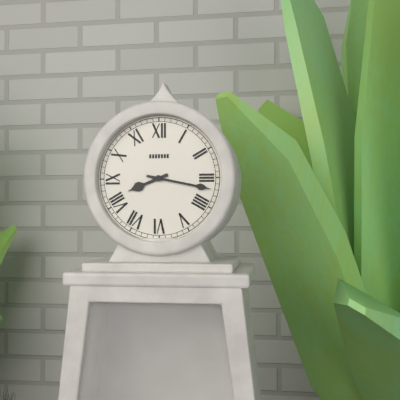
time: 8:17
